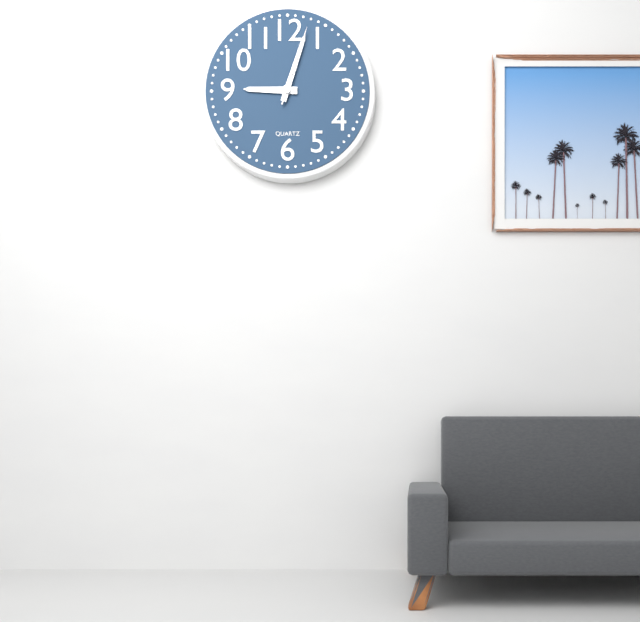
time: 9:03:03
